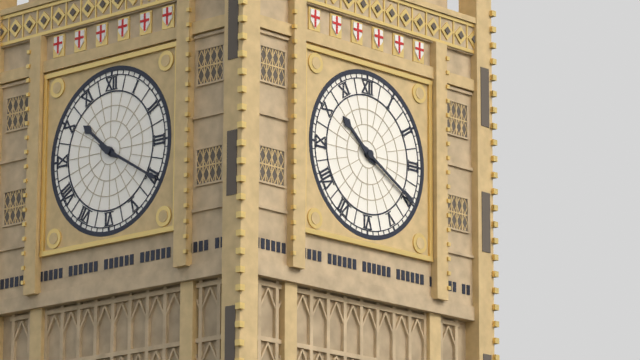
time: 10:20
